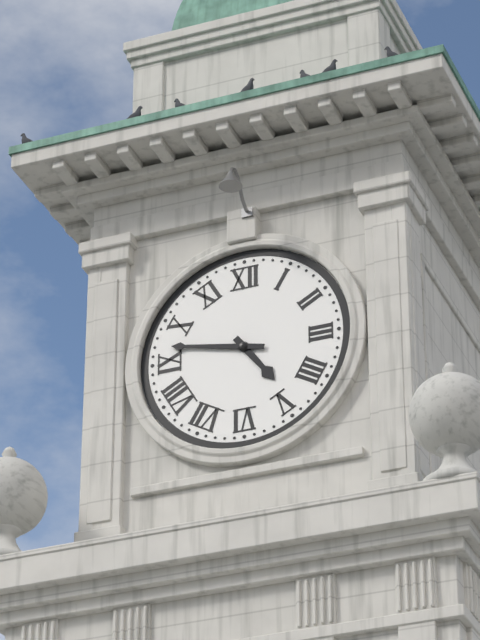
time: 4:47
